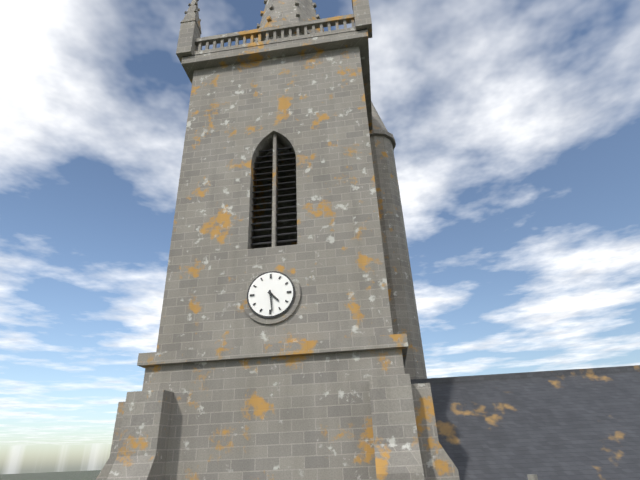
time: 4:29
